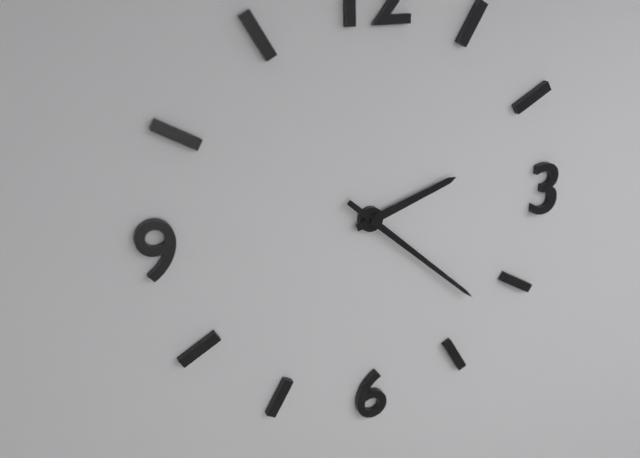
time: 2:22
